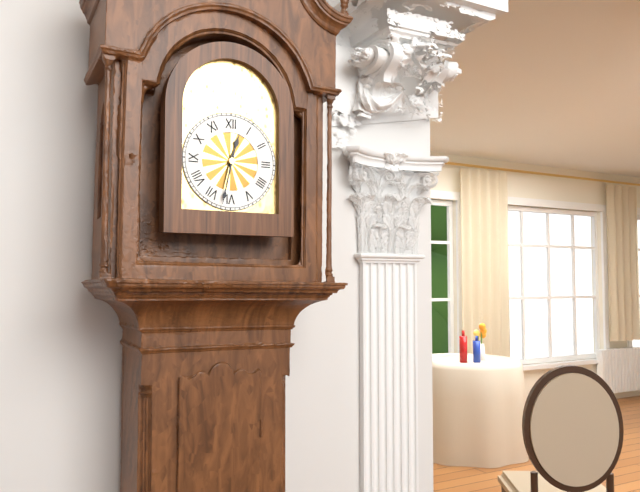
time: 12:32
